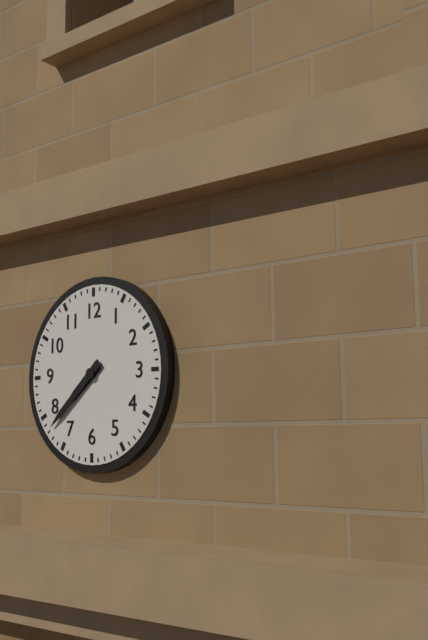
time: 7:38
